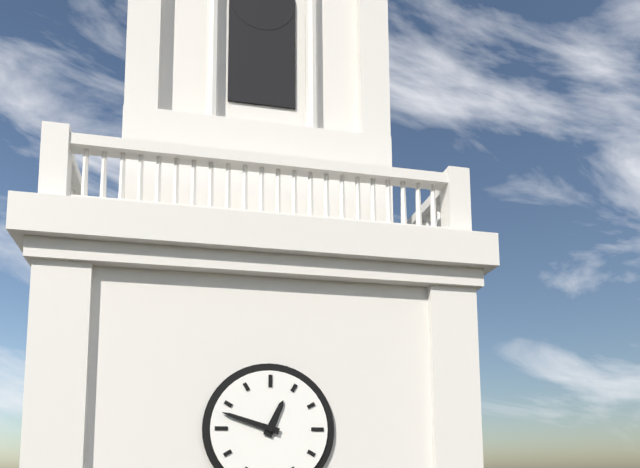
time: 12:48
